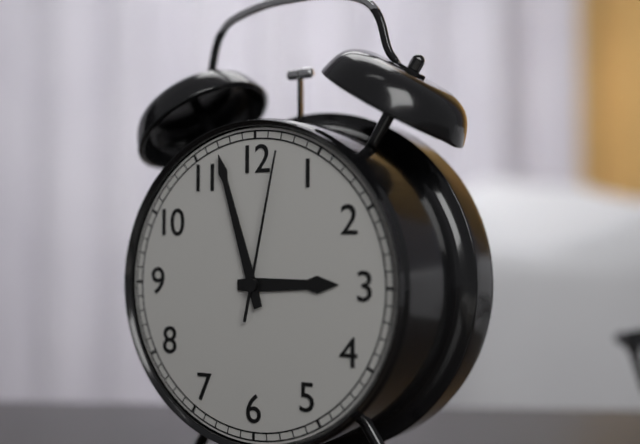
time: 2:57:02
